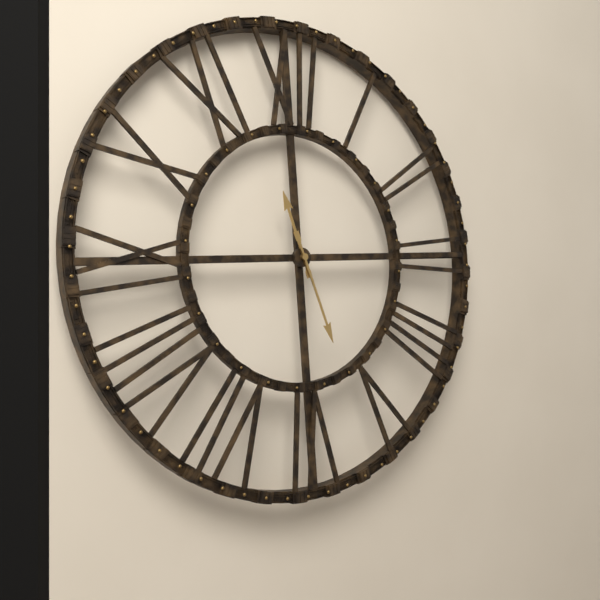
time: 11:27
